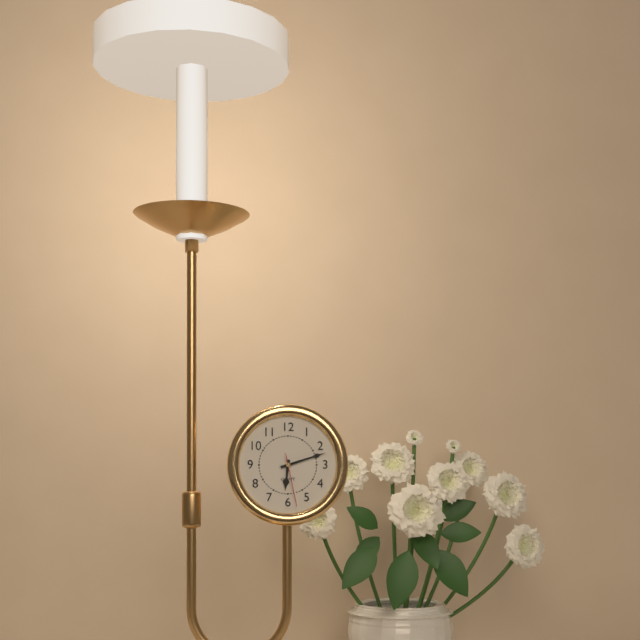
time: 6:12:28
